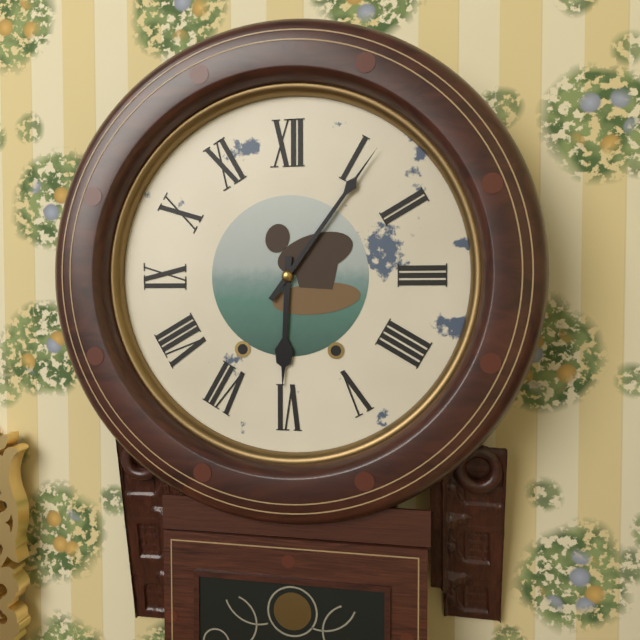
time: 6:06
